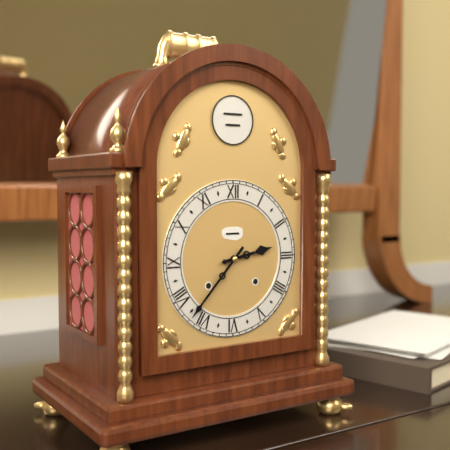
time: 2:37
